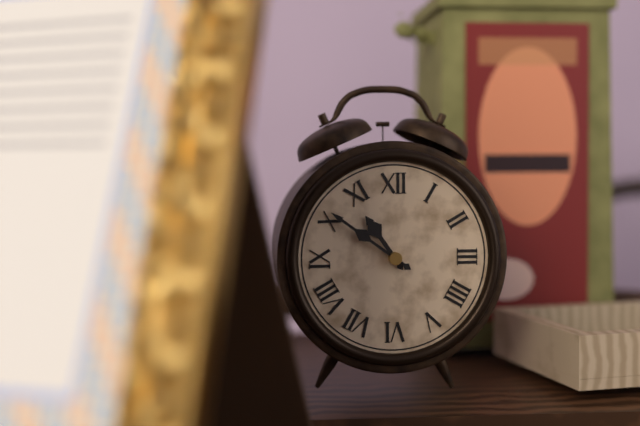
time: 10:51
